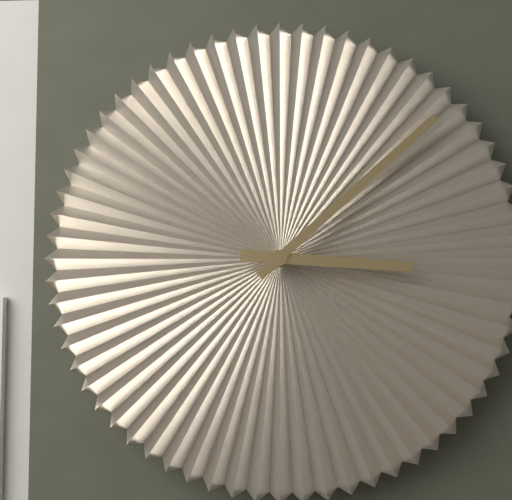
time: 3:08
